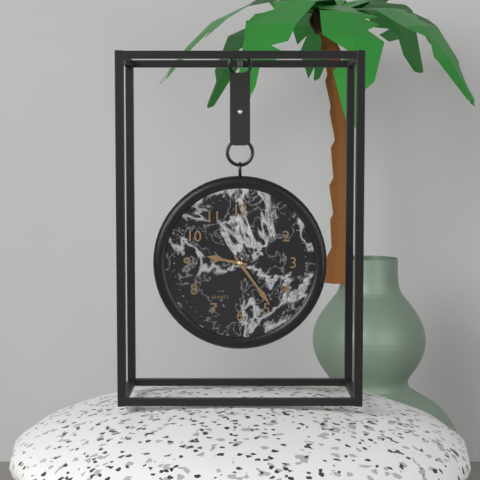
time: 9:24
